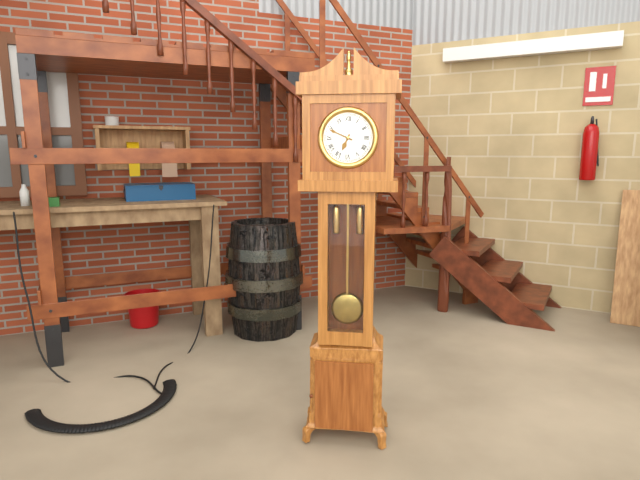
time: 6:49
